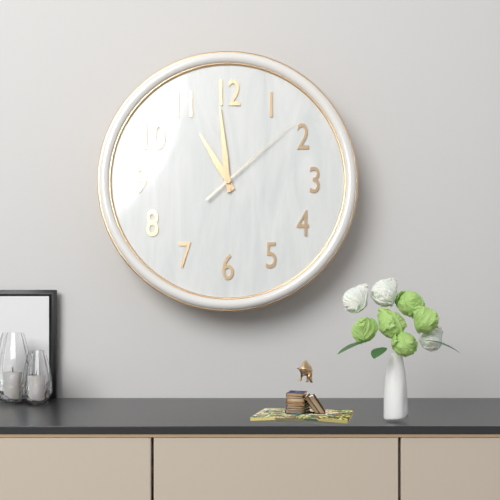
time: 10:59:08
